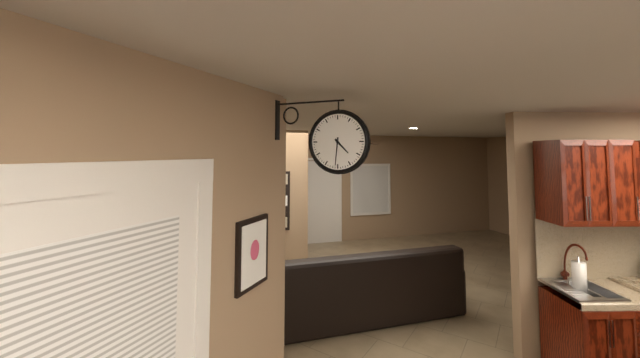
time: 4:31
